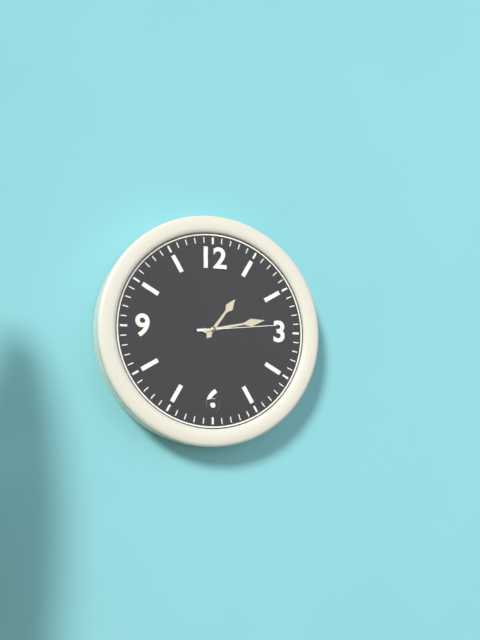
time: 1:13:14
